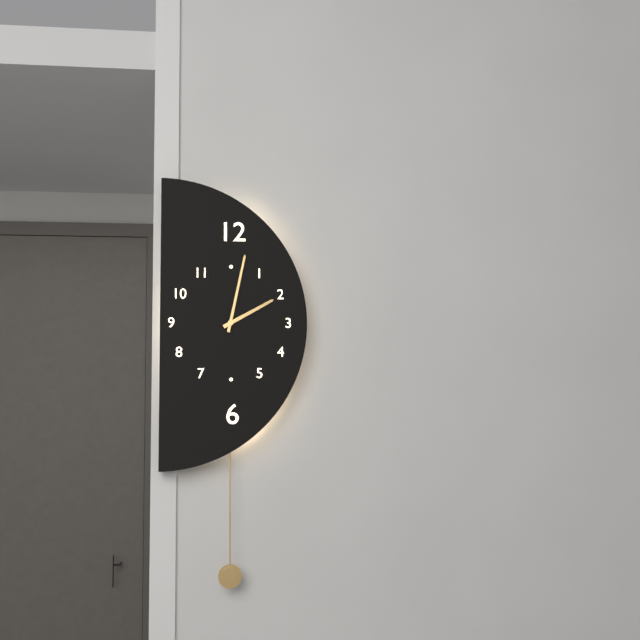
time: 2:02
